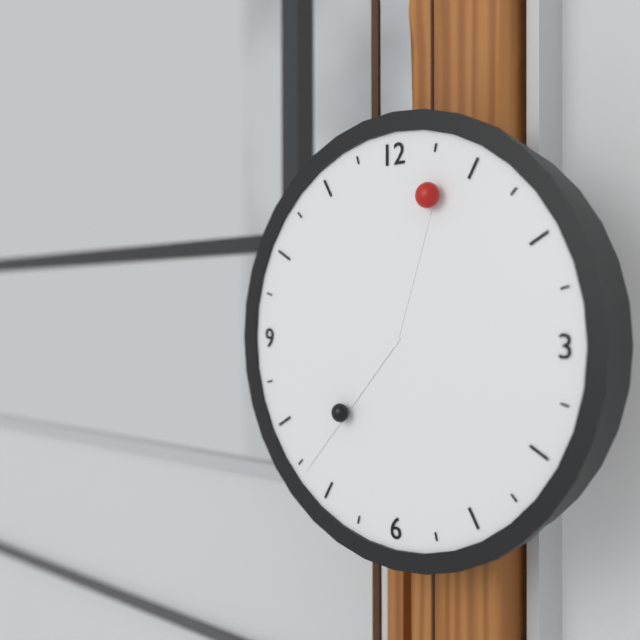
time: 12:37
